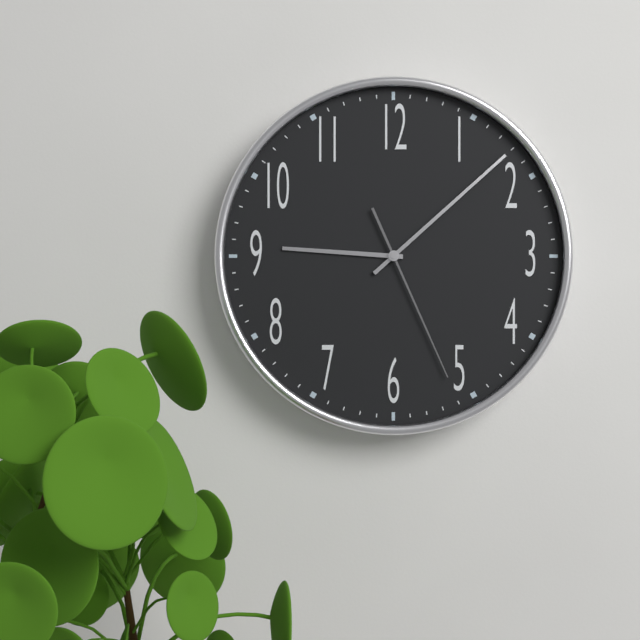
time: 9:08:26
